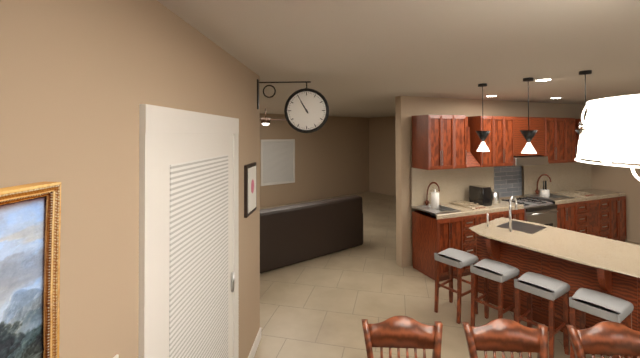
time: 10:55
